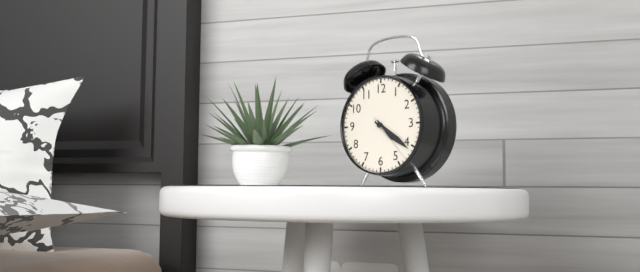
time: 4:21
